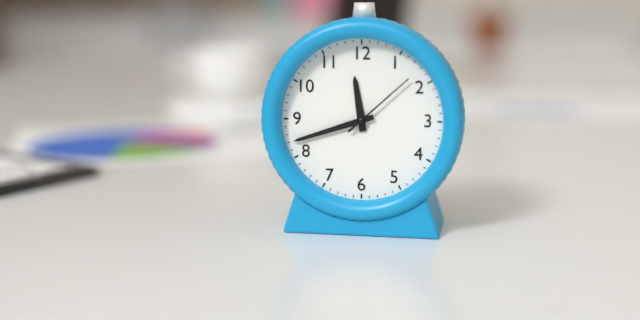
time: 11:42:08
